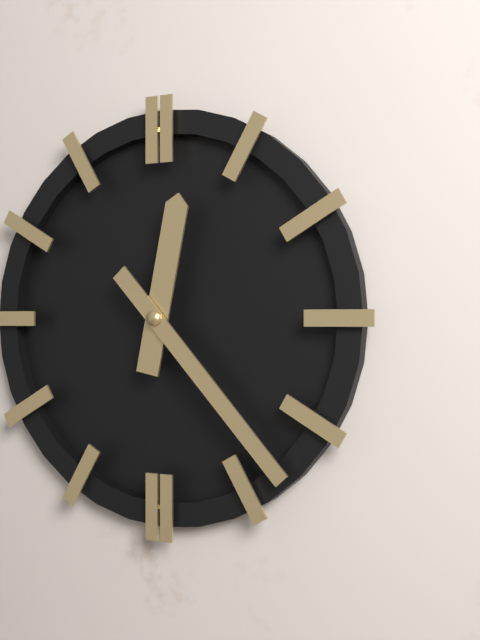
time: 12:23
